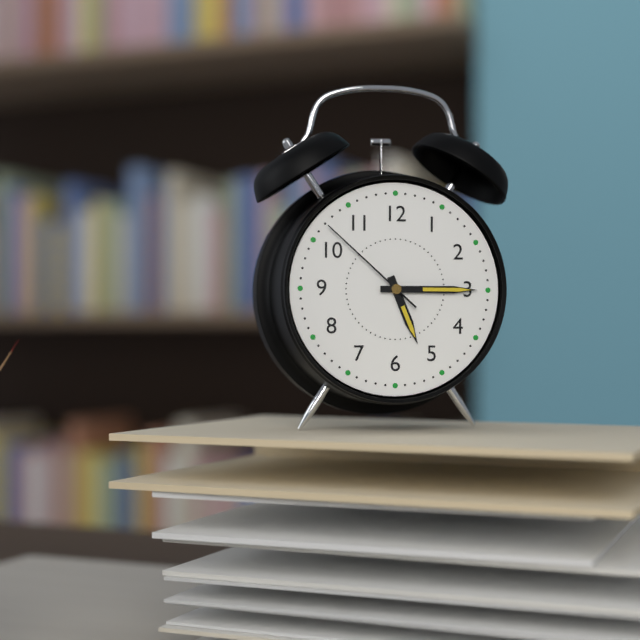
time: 5:15:52
